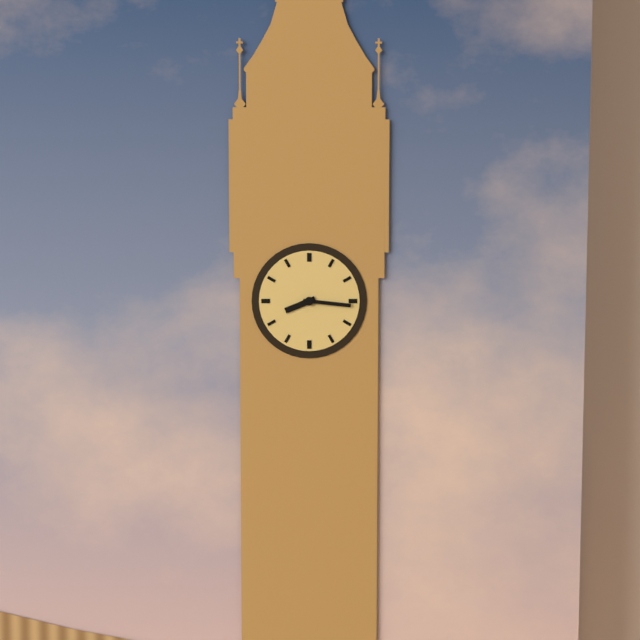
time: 8:16
